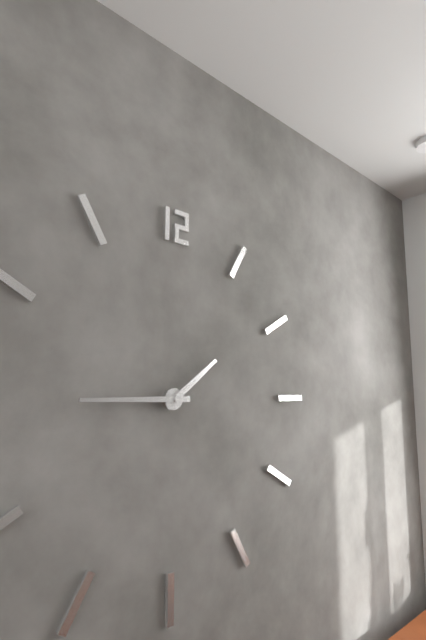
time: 1:45
